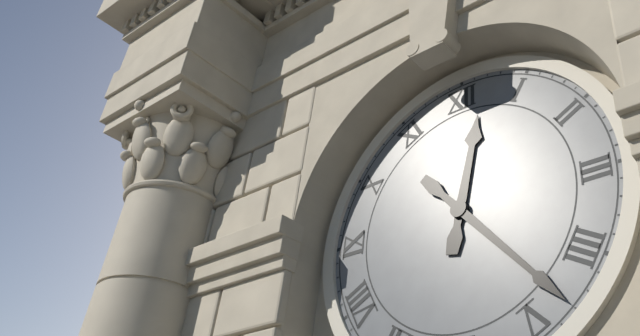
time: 12:23
